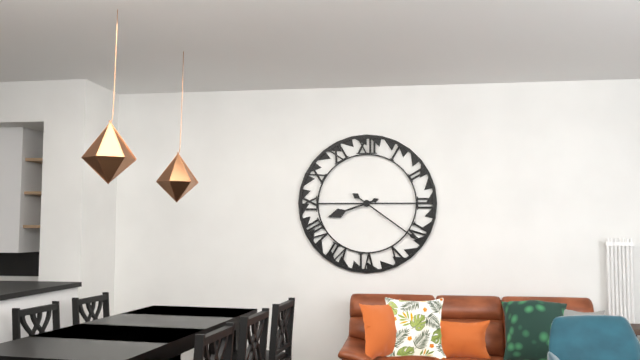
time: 8:21
